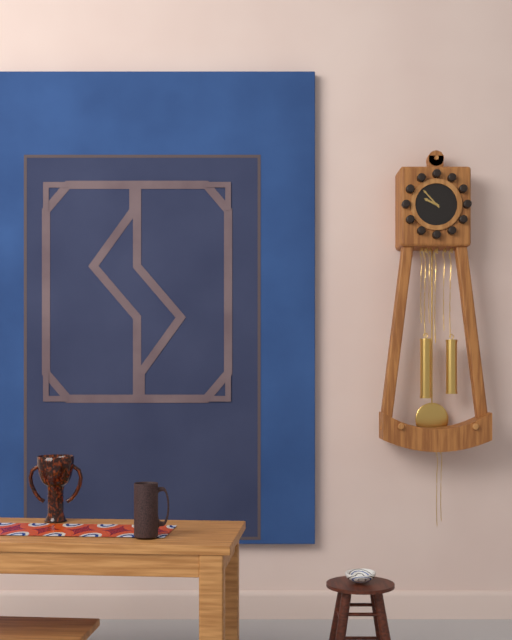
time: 9:53
